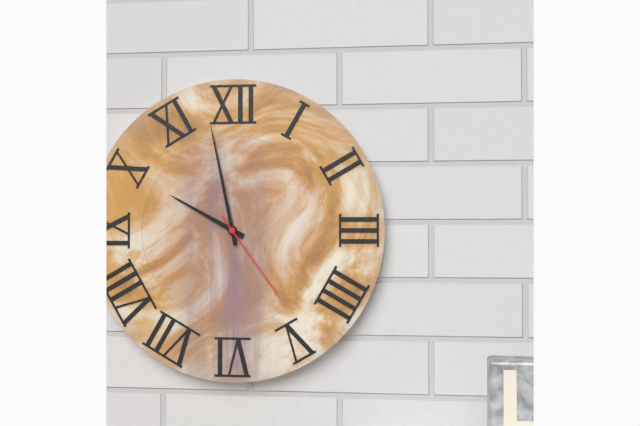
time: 9:58:24
